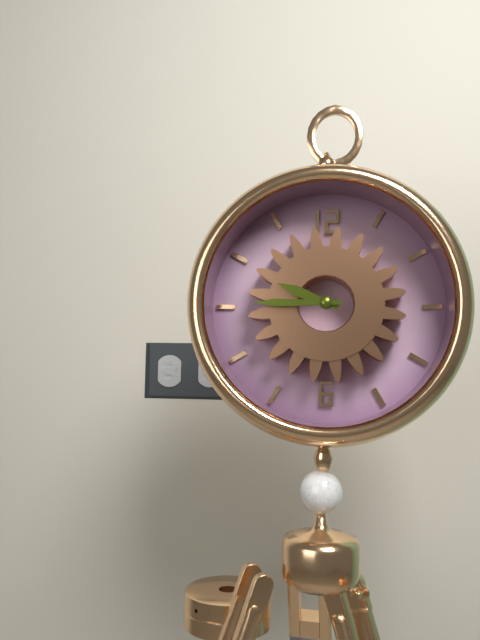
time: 9:45
